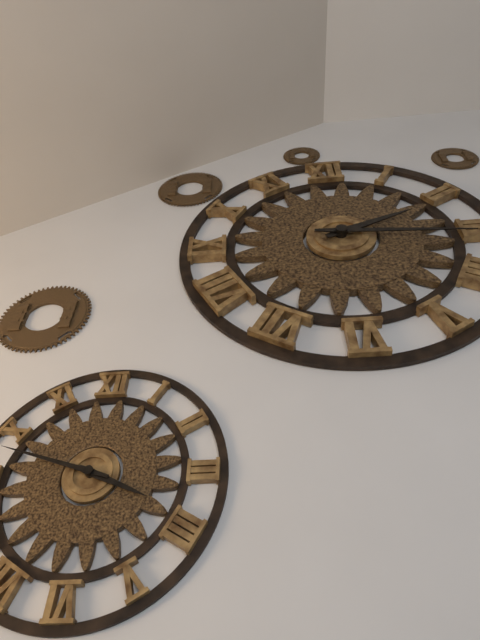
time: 2:16
